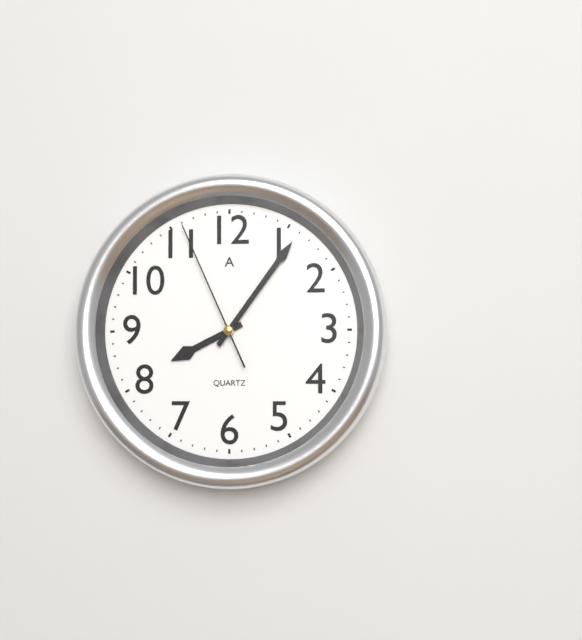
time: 8:06:56
